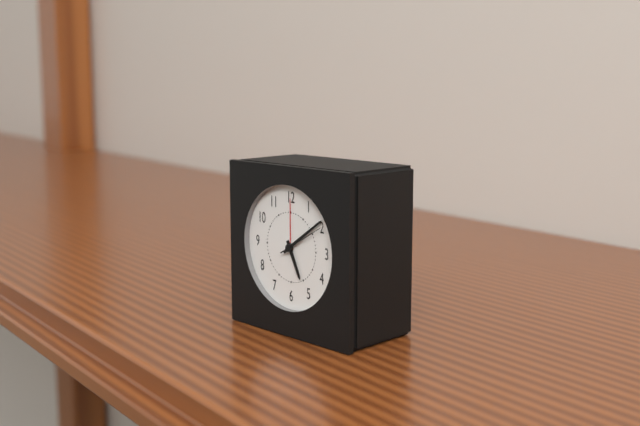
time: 5:09
